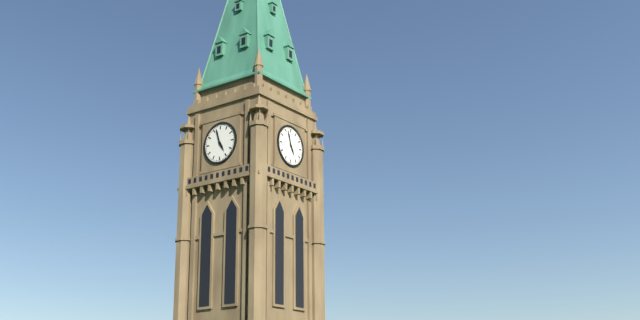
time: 4:57
